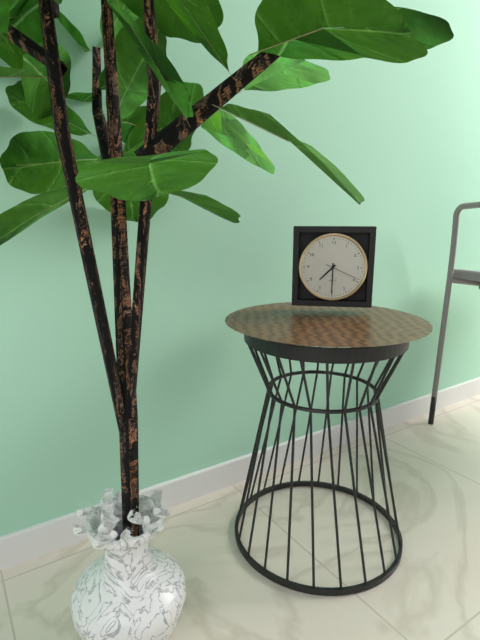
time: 7:30
